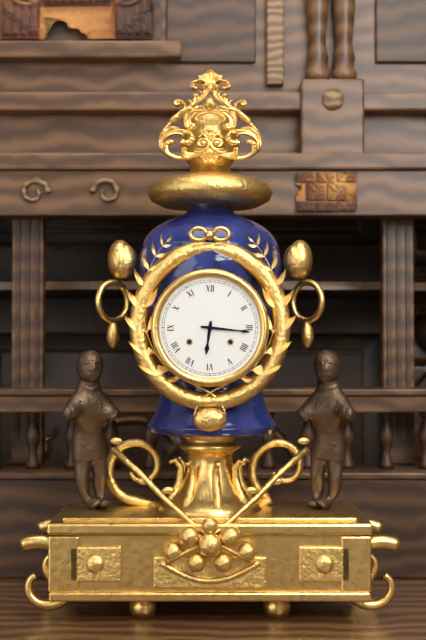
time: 6:16
